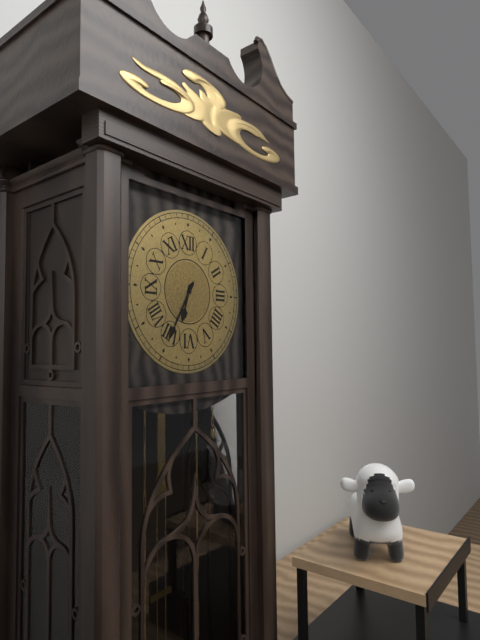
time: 6:35
